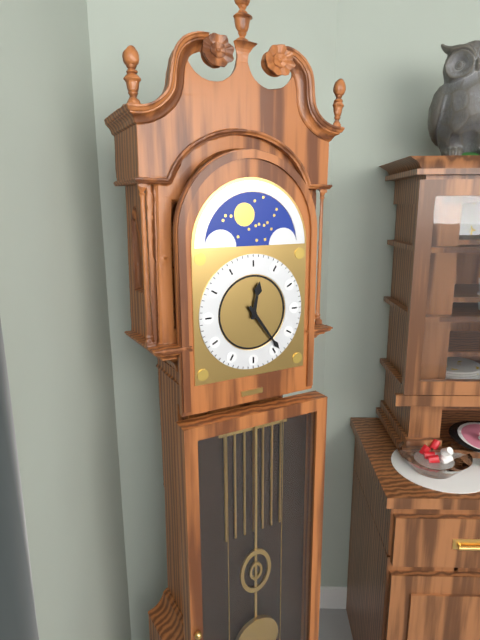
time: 12:24
